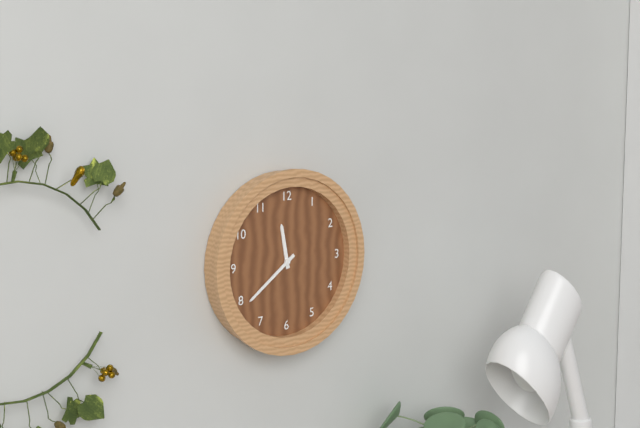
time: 11:39
